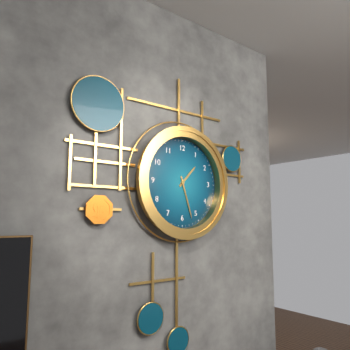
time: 1:27
